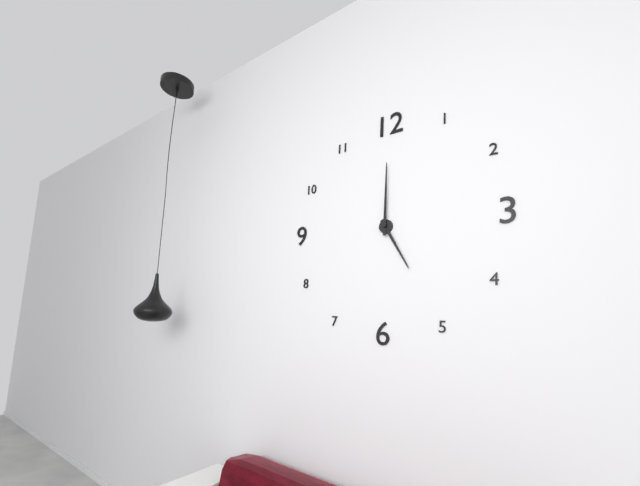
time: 5:00
